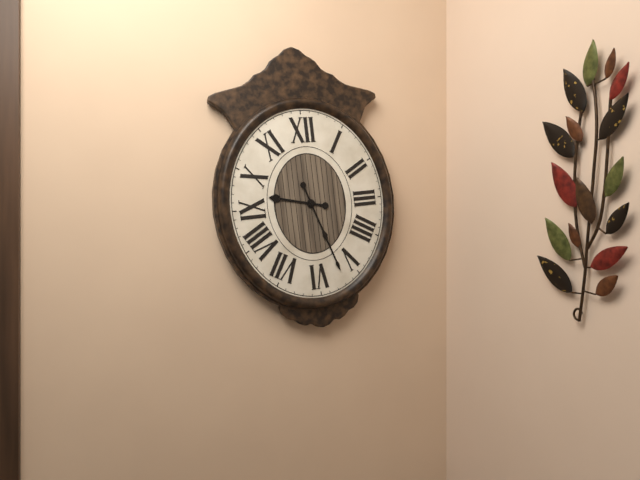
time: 9:27
